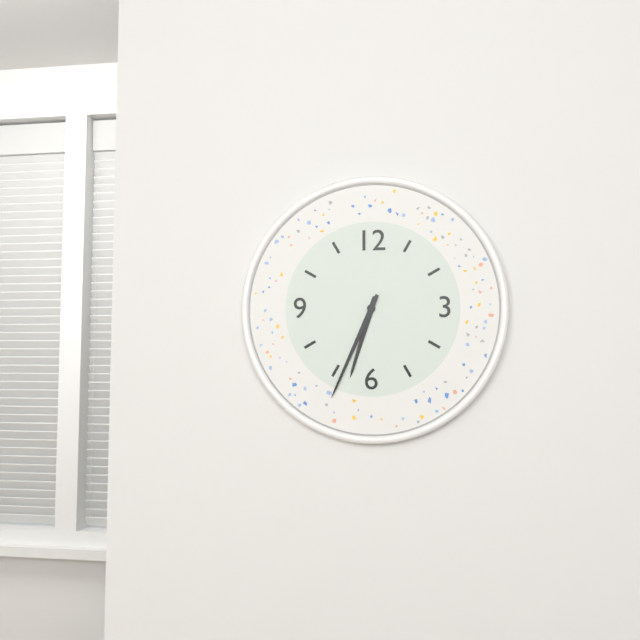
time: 6:34
